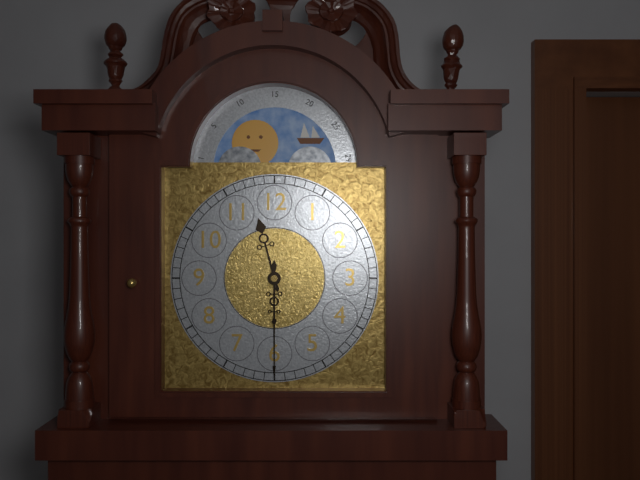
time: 11:30
